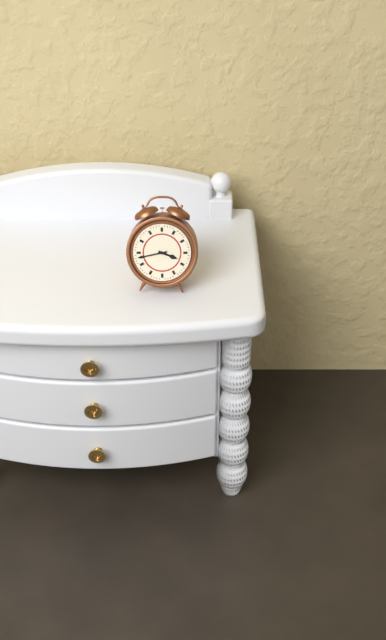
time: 3:43
